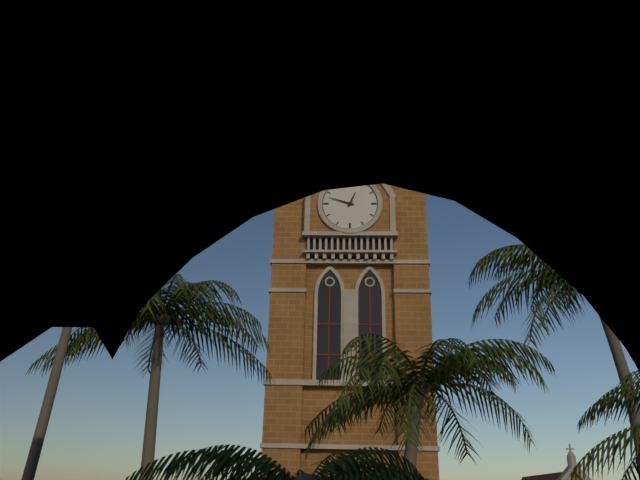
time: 12:48
